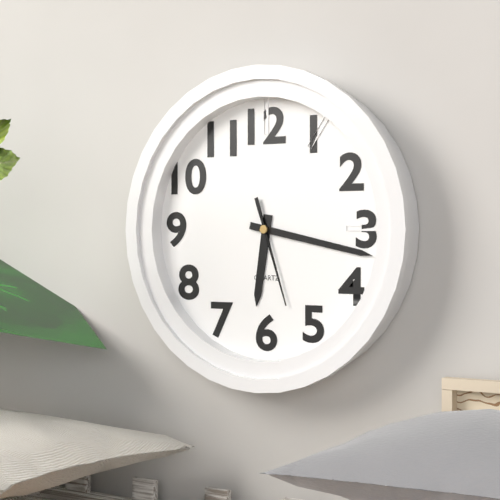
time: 6:17:27
